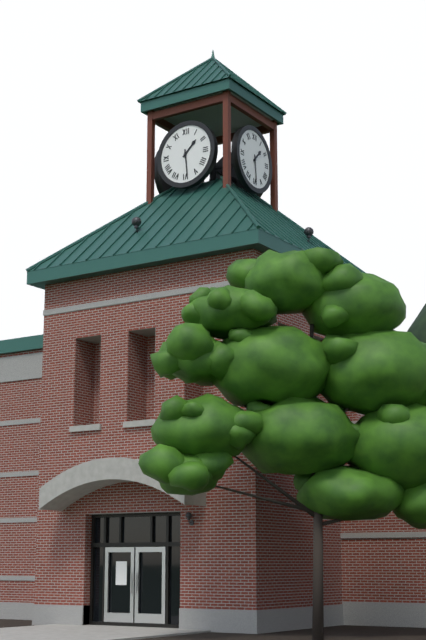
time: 1:29
